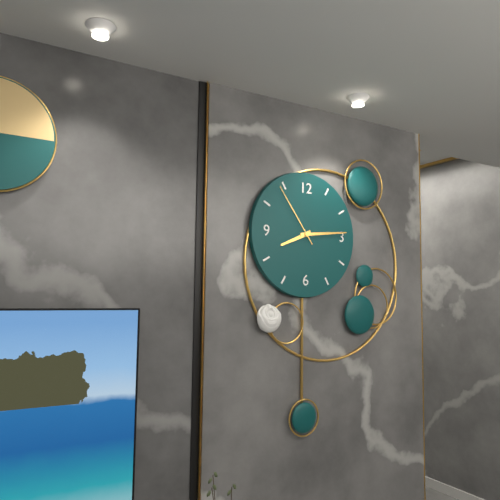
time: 8:14:54
